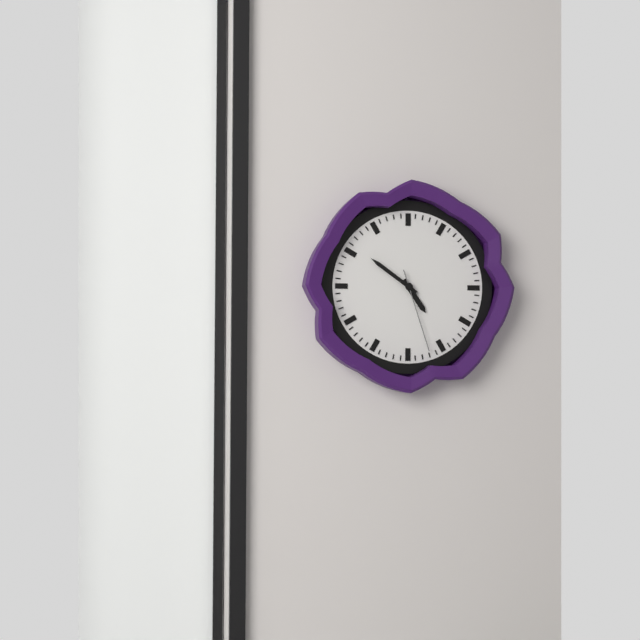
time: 4:51:27
